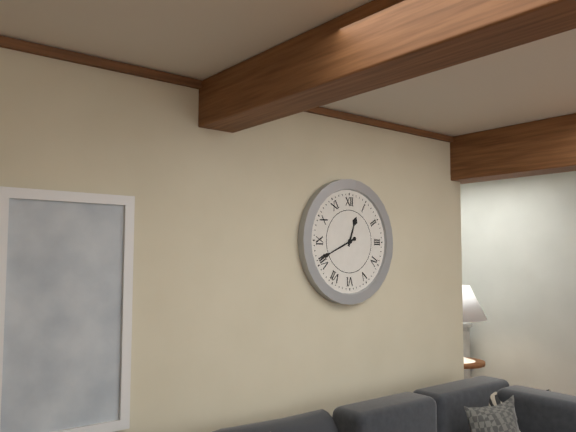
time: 12:41
